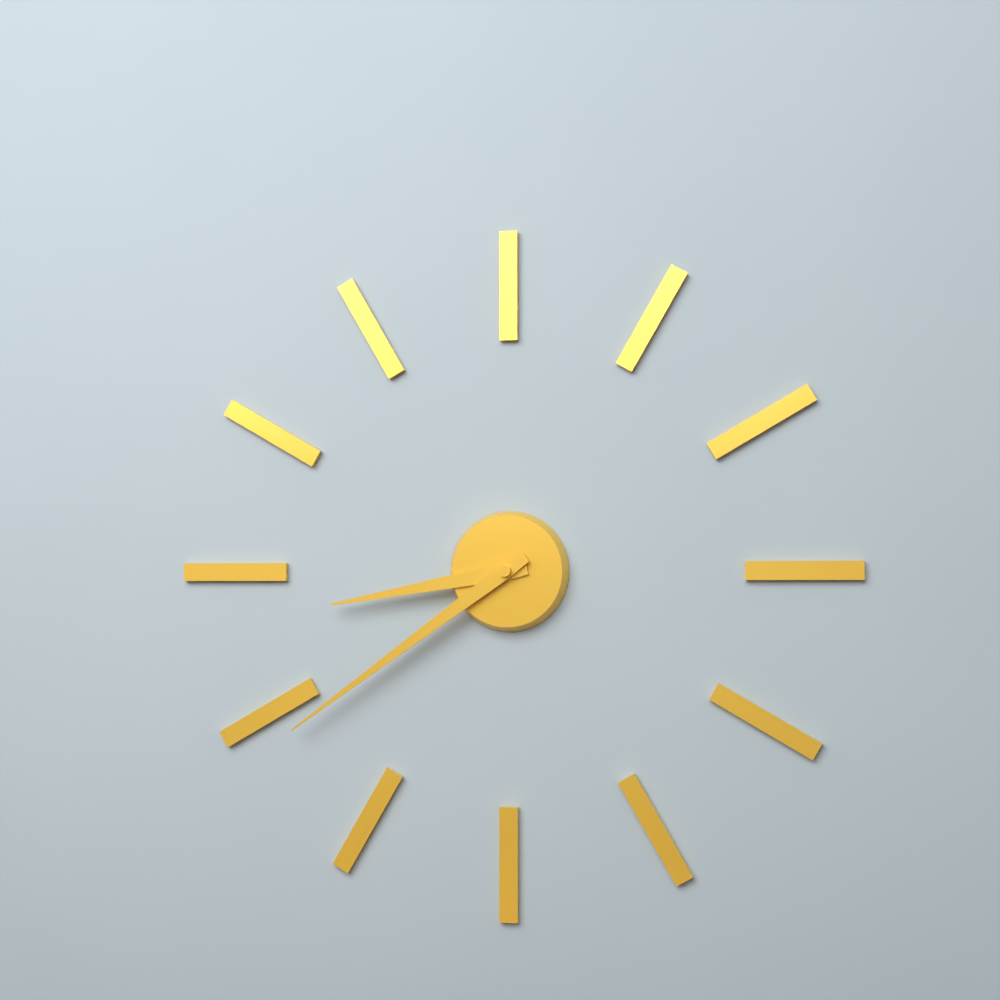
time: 8:39
